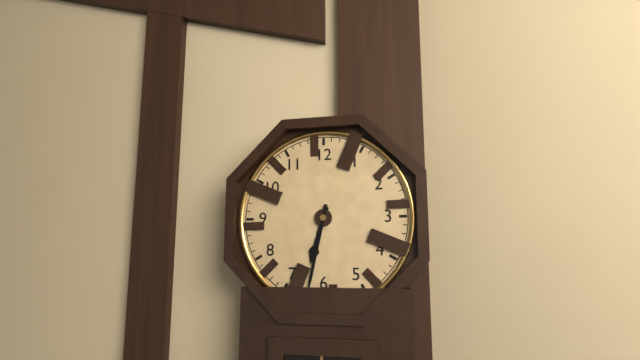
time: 6:32
